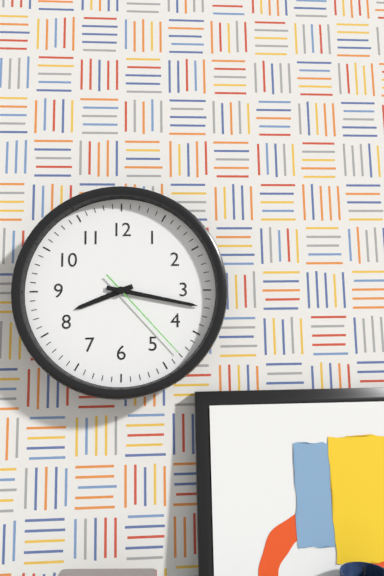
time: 8:17:23
